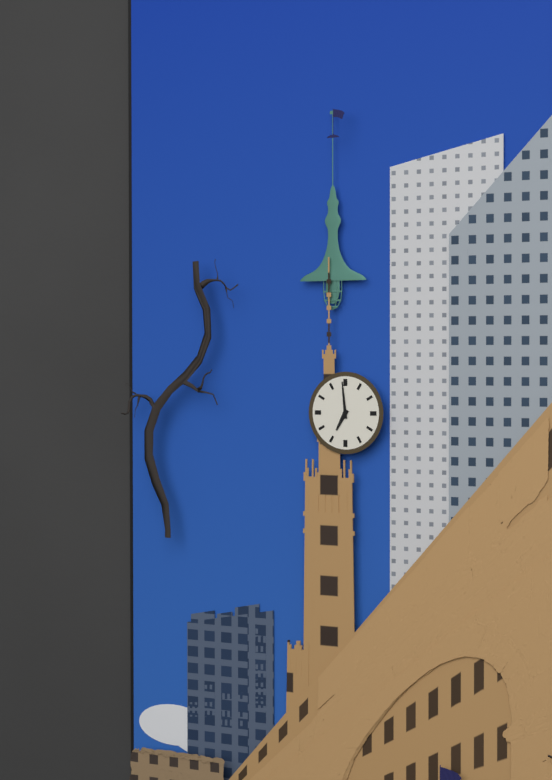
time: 6:59
